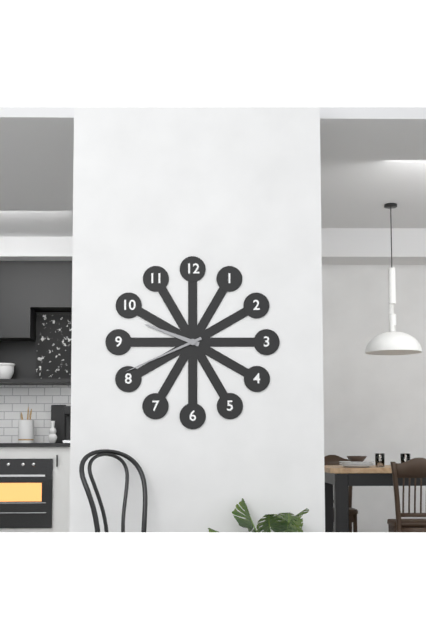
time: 9:41
